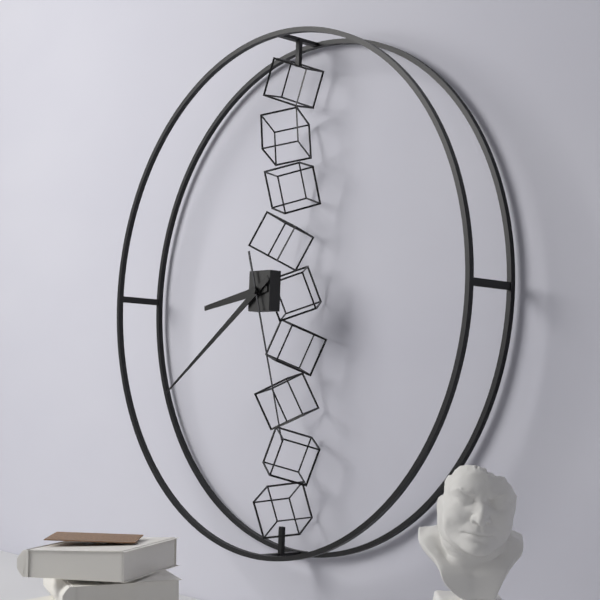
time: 8:39:27
